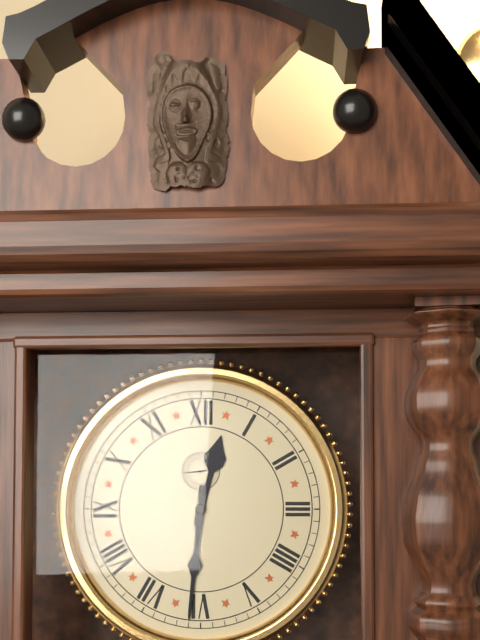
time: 12:31
